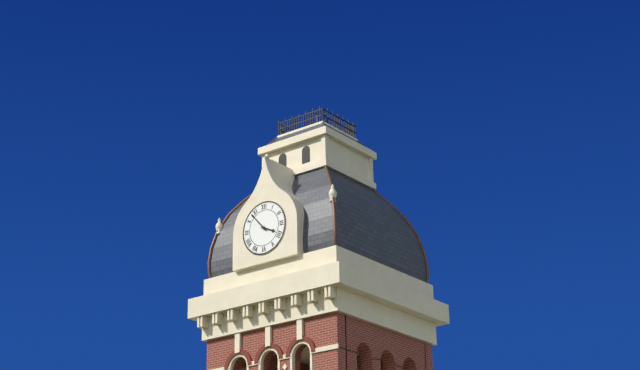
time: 3:53
